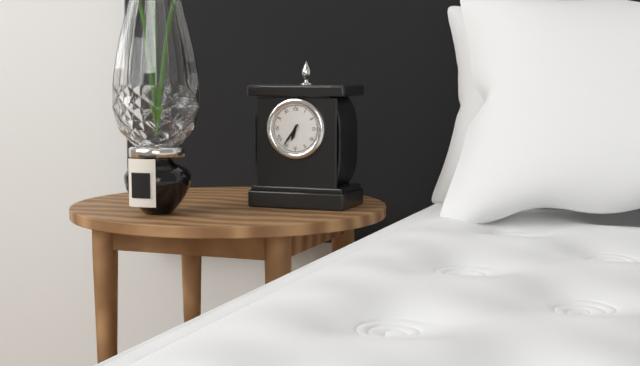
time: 6:36
